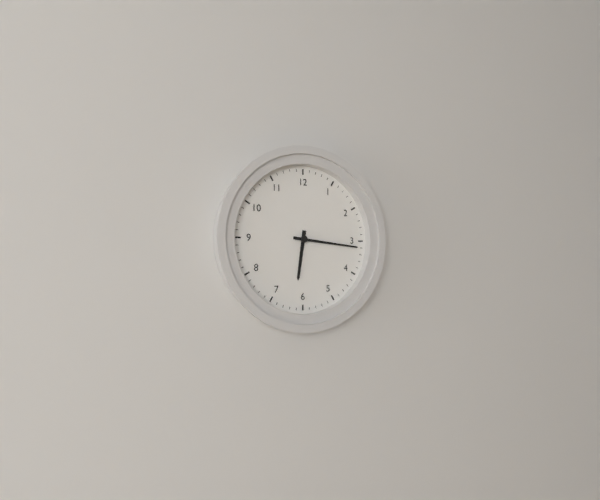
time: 6:16
